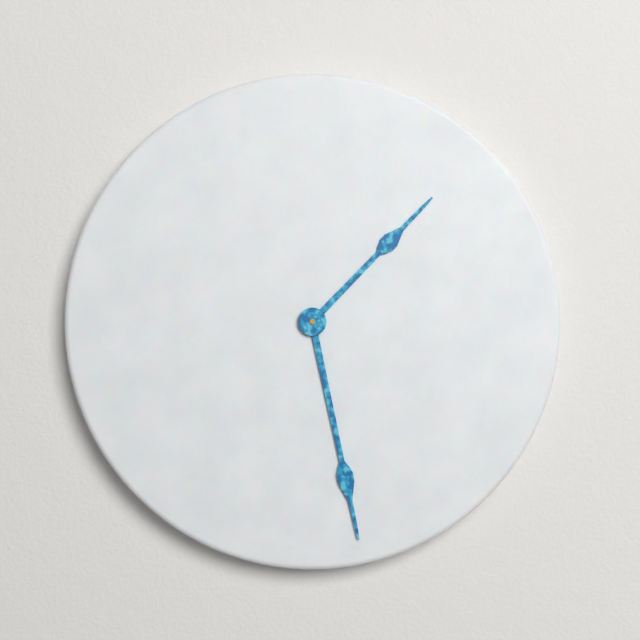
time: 1:28
